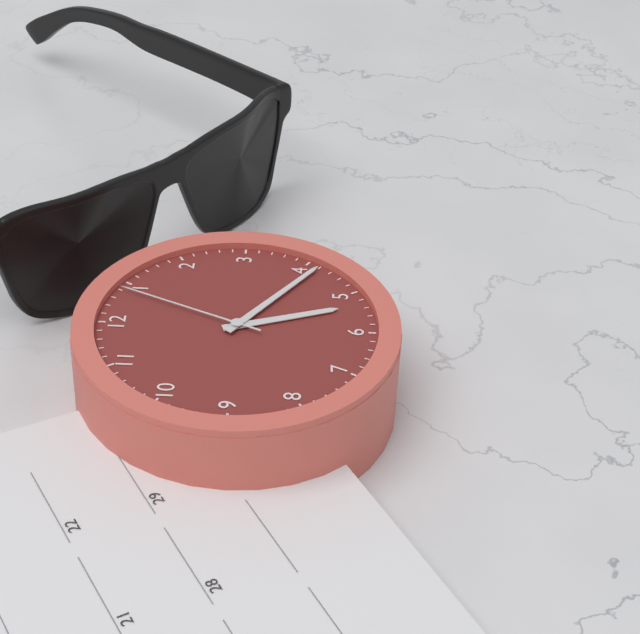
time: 5:21:04
